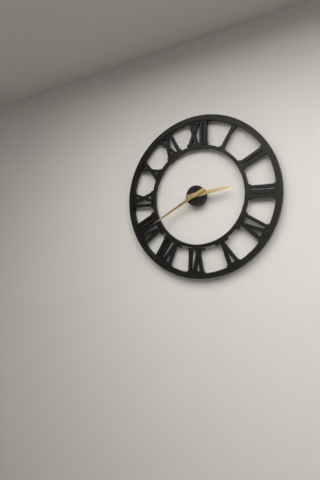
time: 2:40
